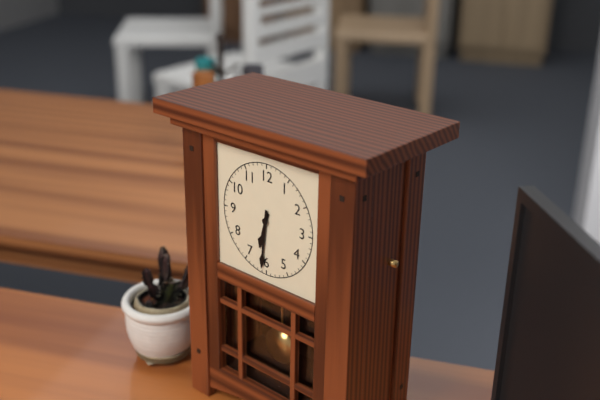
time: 6:31
